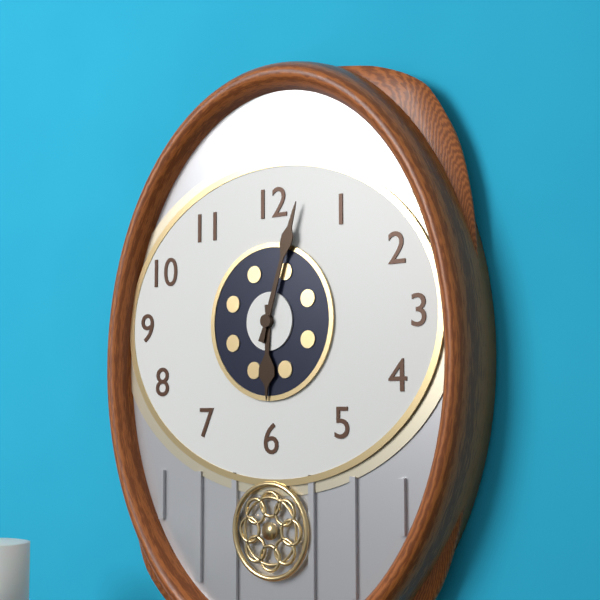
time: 6:03
